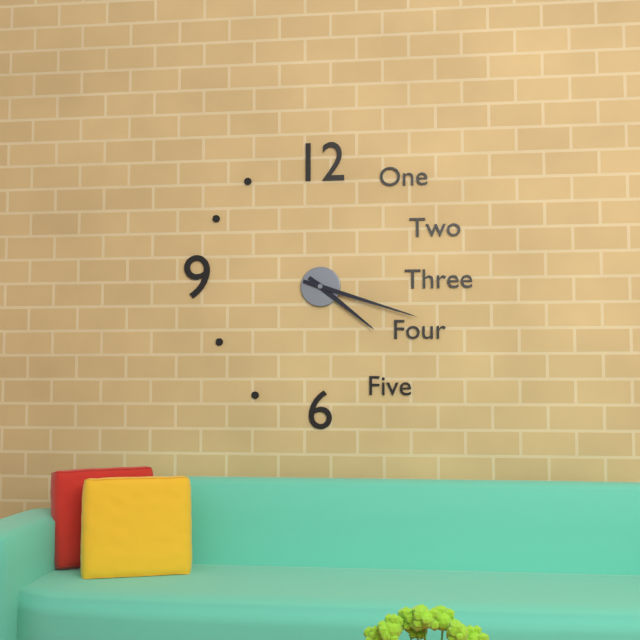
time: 4:18
